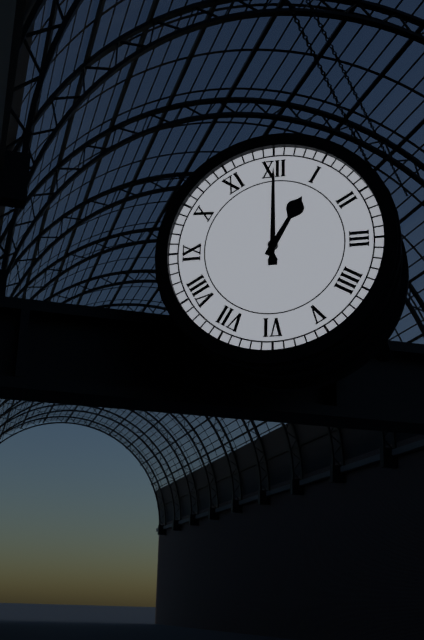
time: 1:00
